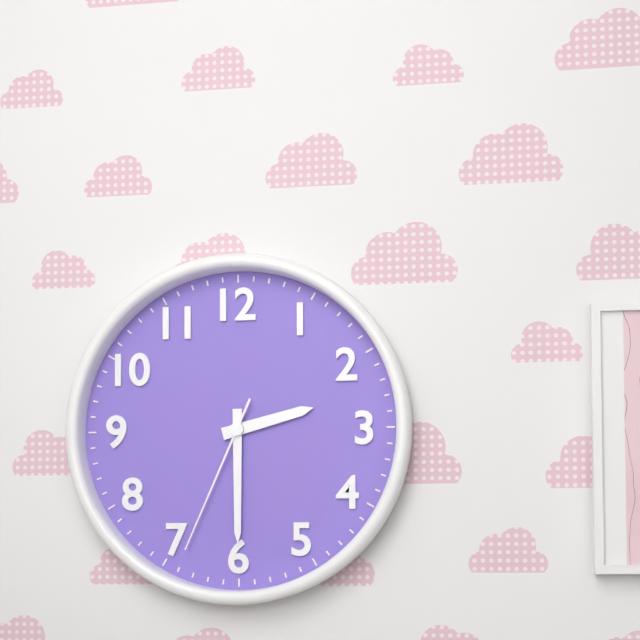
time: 2:30:34
